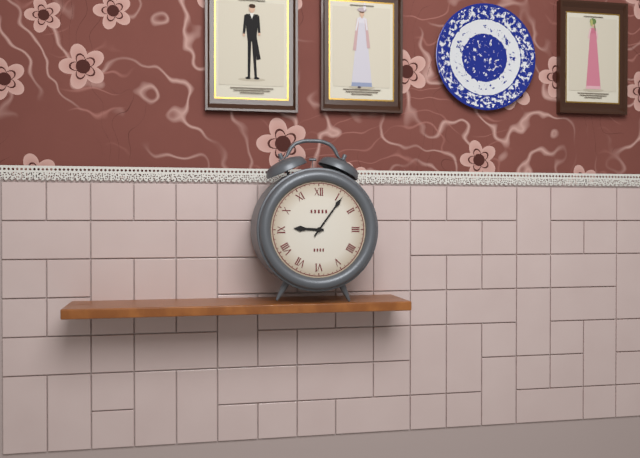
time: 9:06
